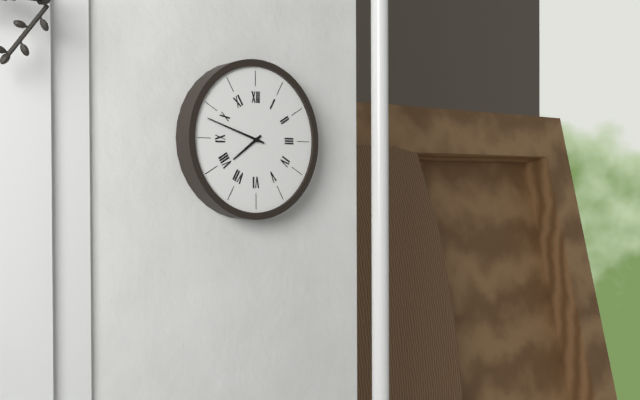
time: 7:48
